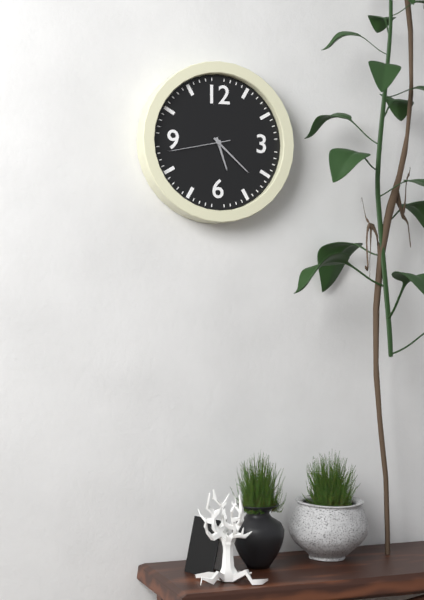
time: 5:22:43
